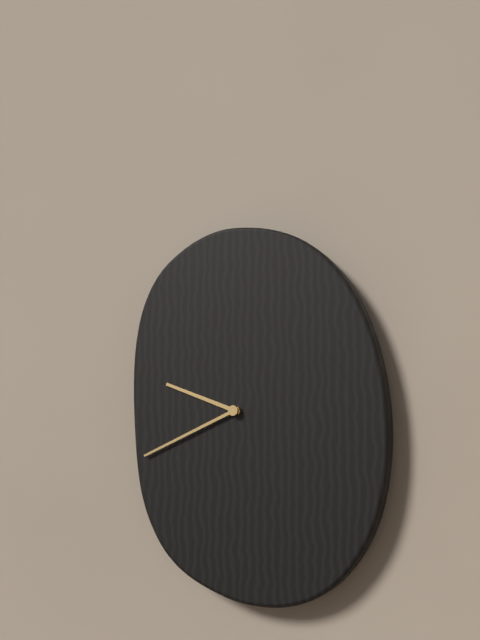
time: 9:41
